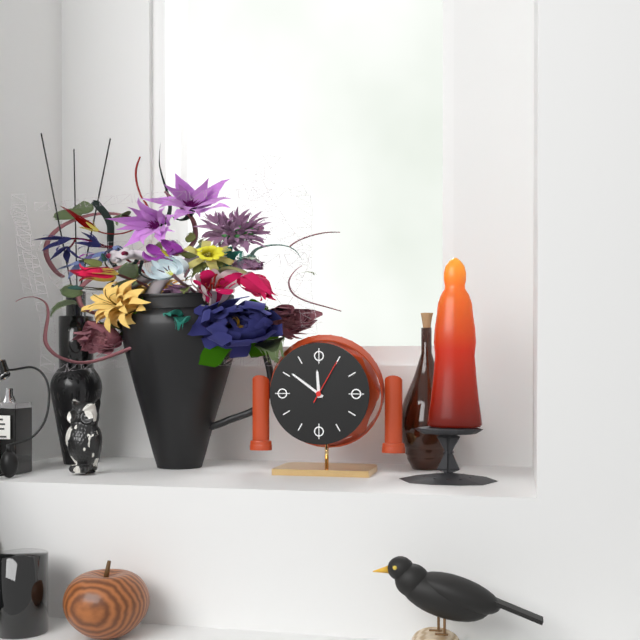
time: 11:51
